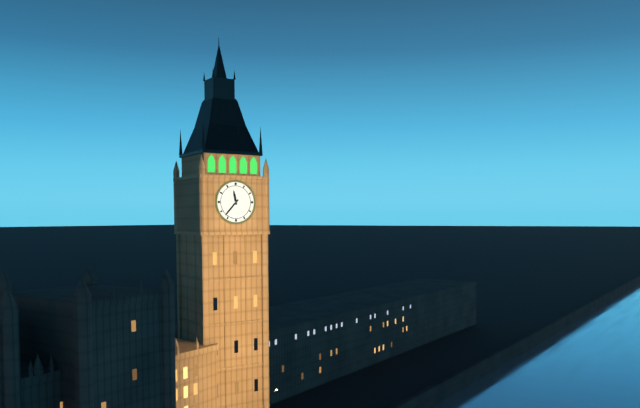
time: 11:37
